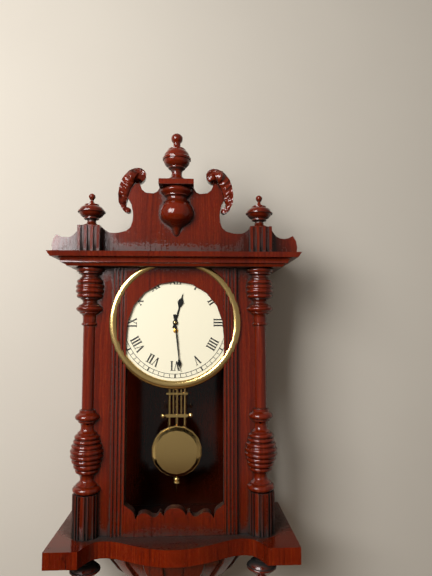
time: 12:29
